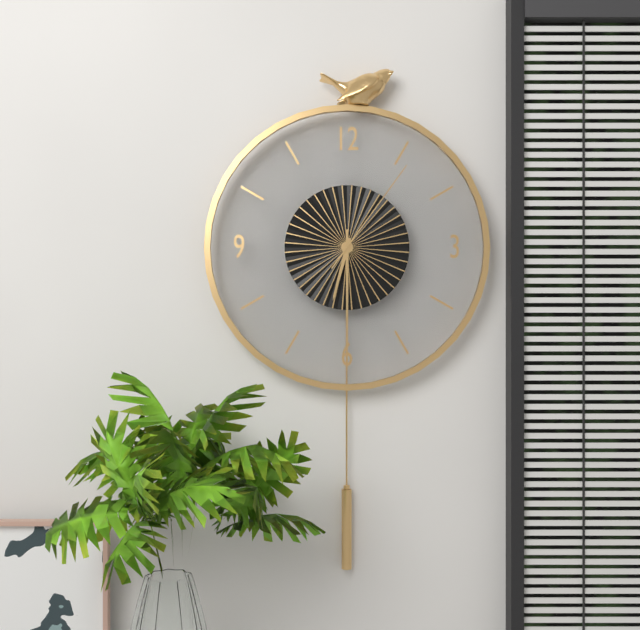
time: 6:30:06
